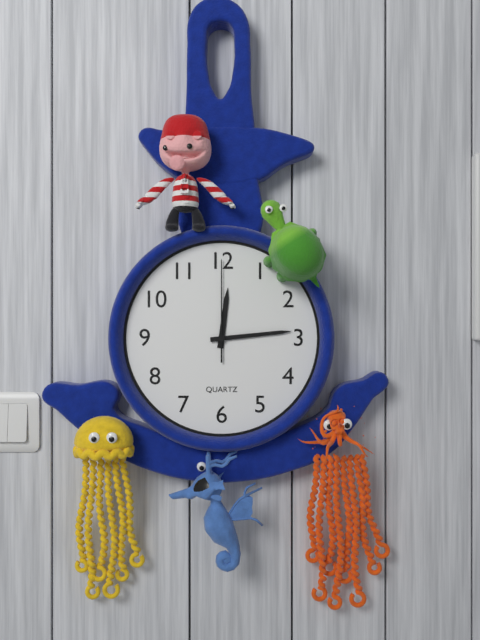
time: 12:14:00
